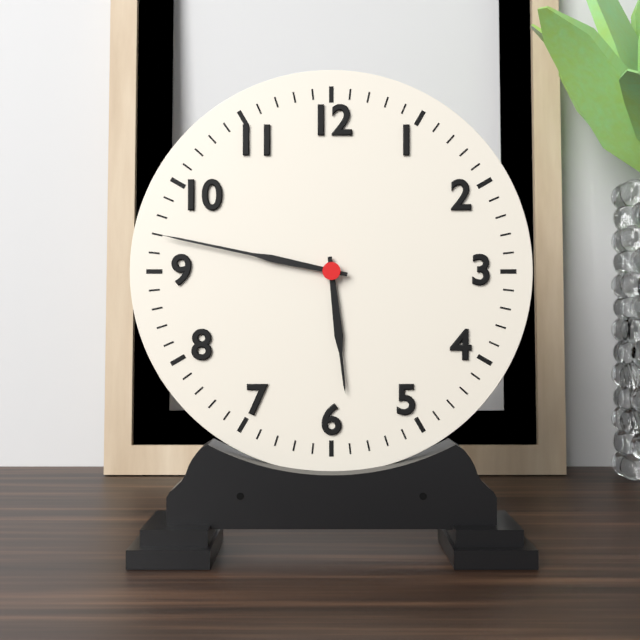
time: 5:47
